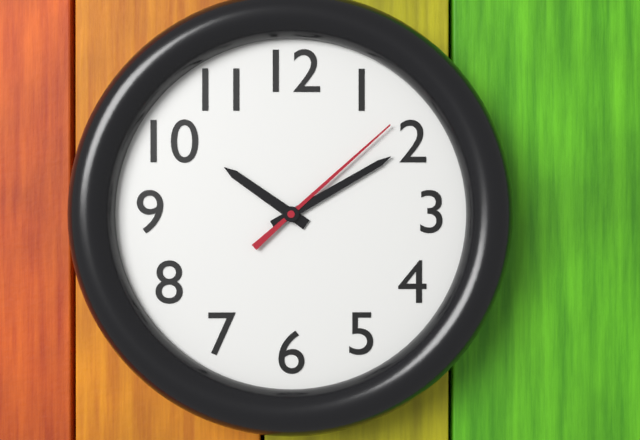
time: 10:10:08
